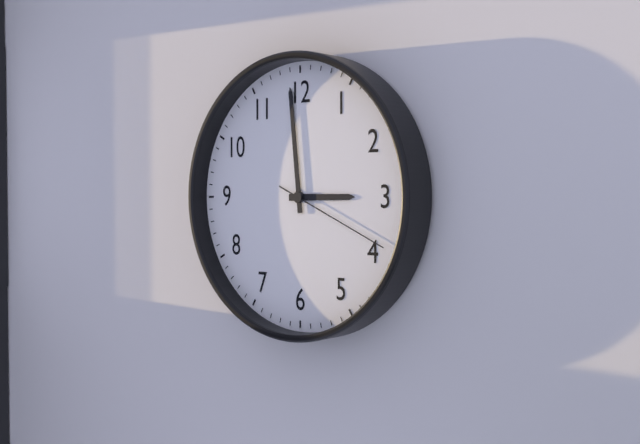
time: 2:59:19
